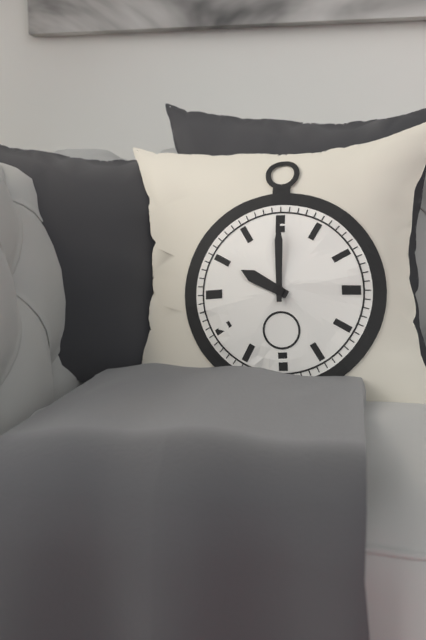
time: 10:00
